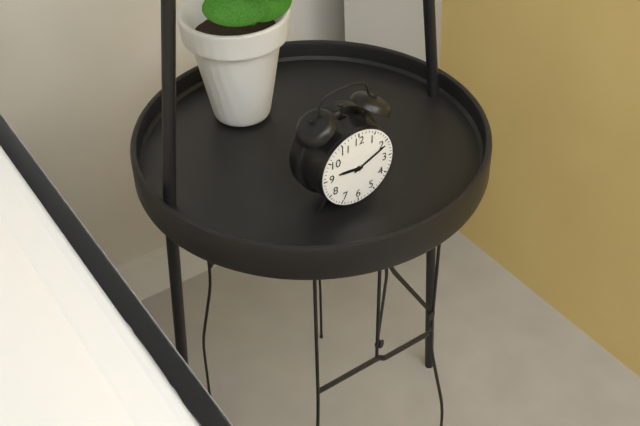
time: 9:11
